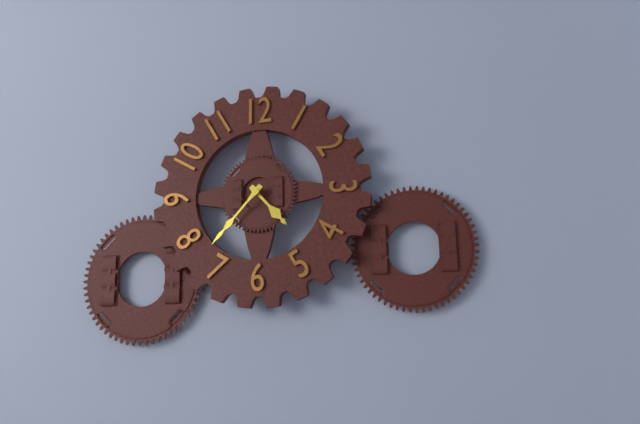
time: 4:37
